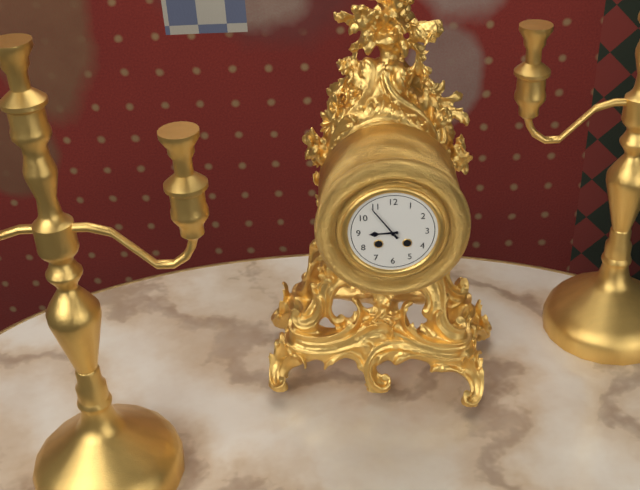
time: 8:54
